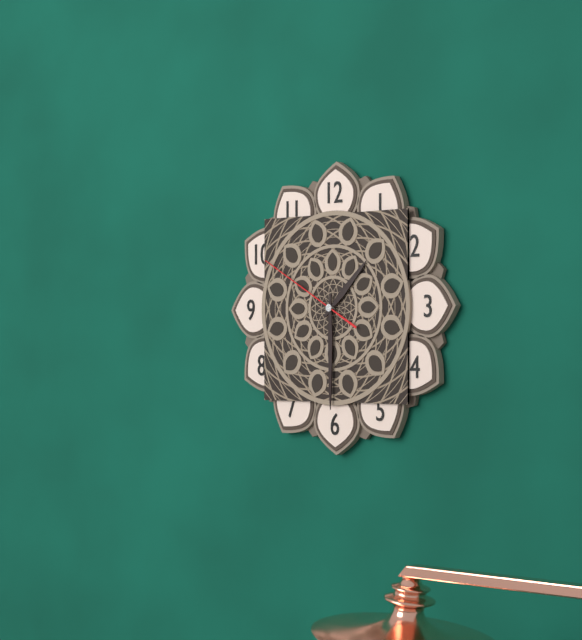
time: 1:30:50
